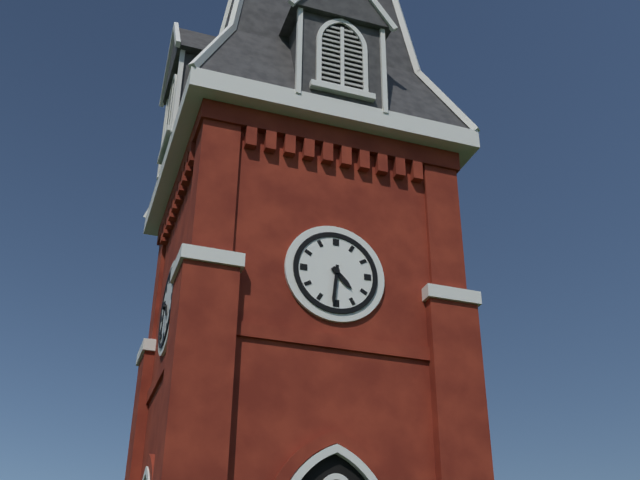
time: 4:31
